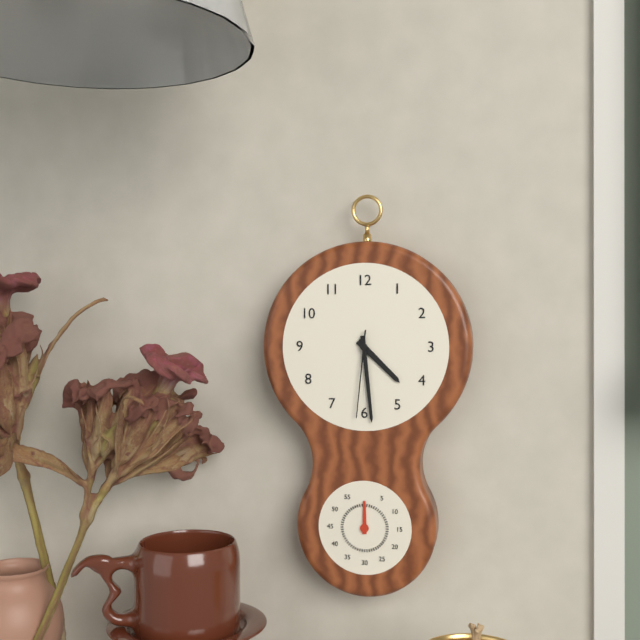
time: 4:29:31
